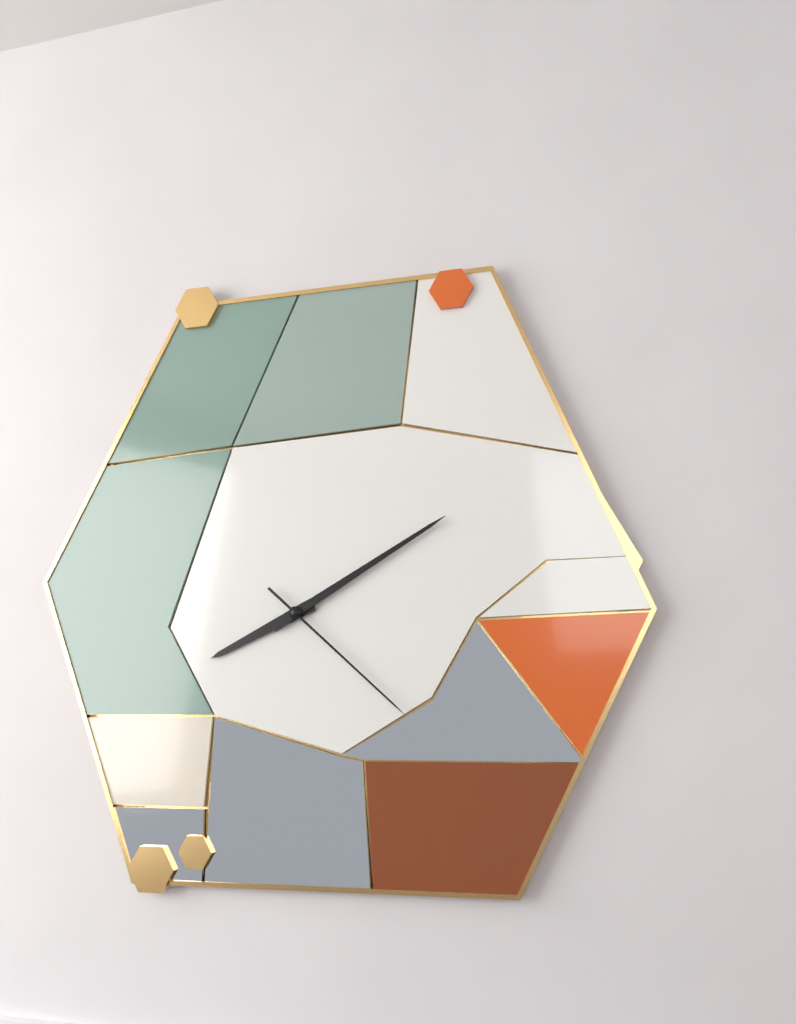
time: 8:10:22
